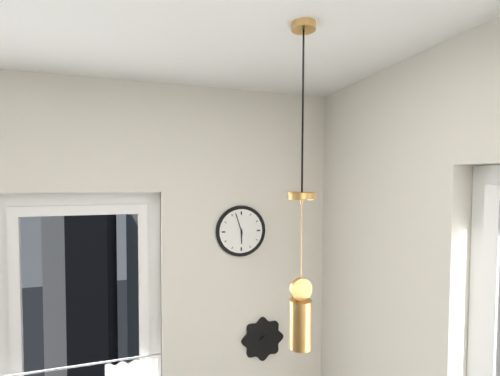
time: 5:57
